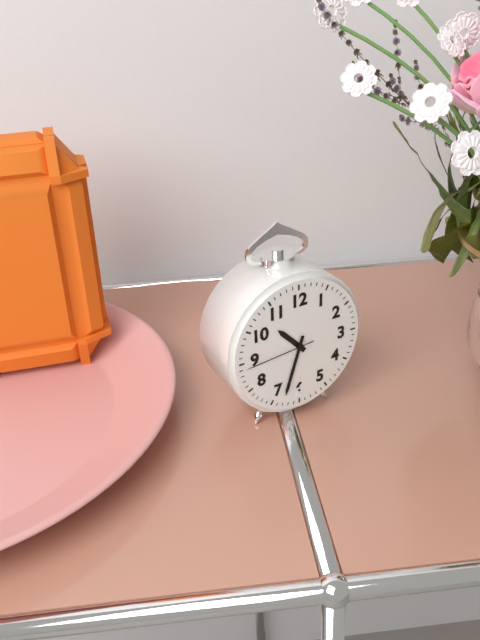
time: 10:33:44
